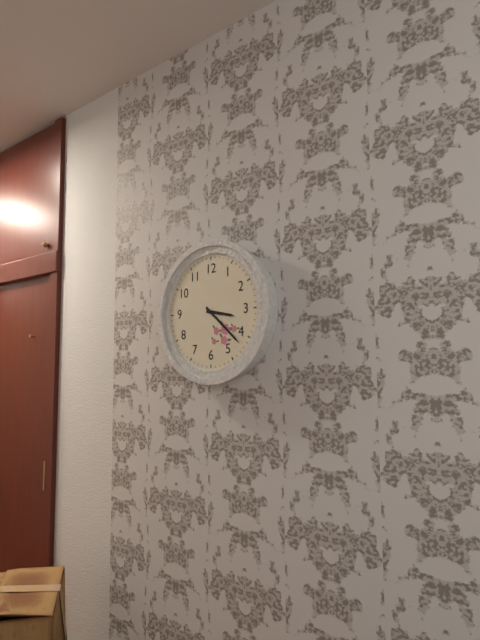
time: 3:22
